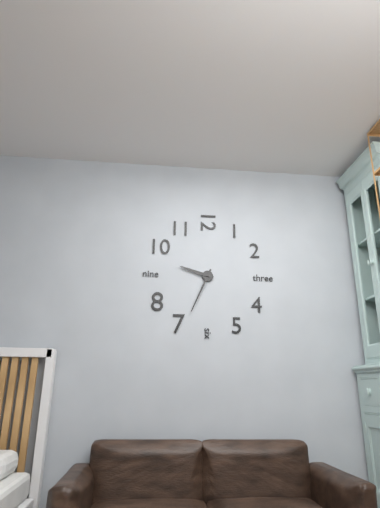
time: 9:34
